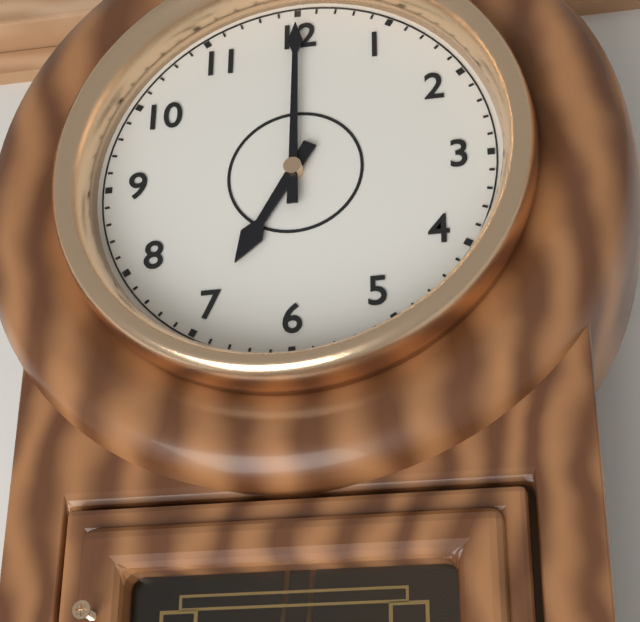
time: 7:00
